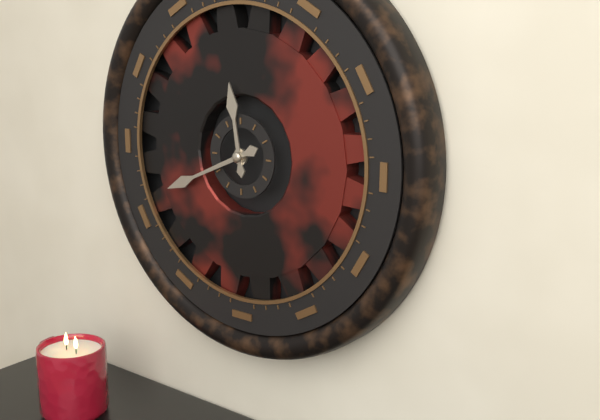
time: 11:41
